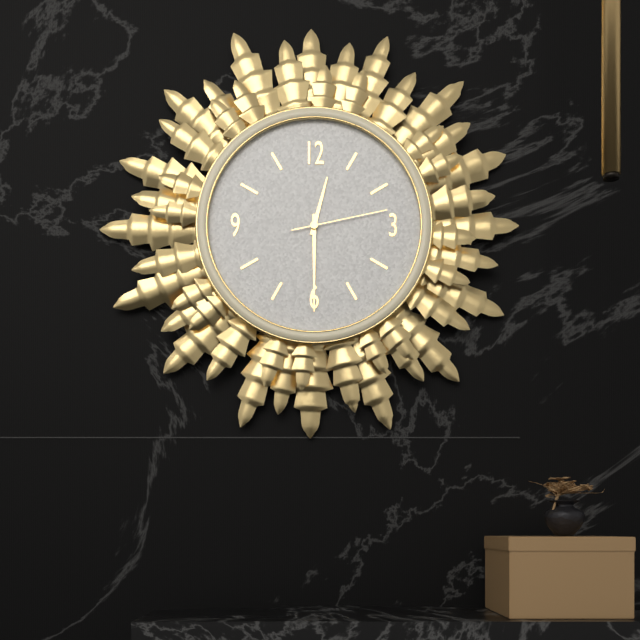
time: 12:30:13
